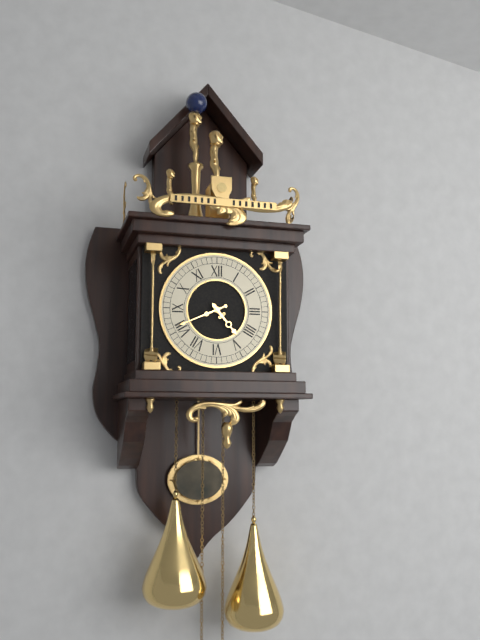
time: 4:41
